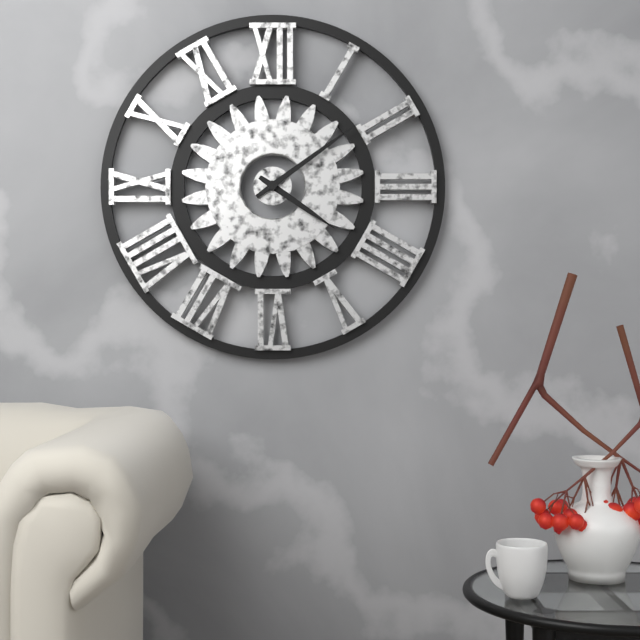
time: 4:09
